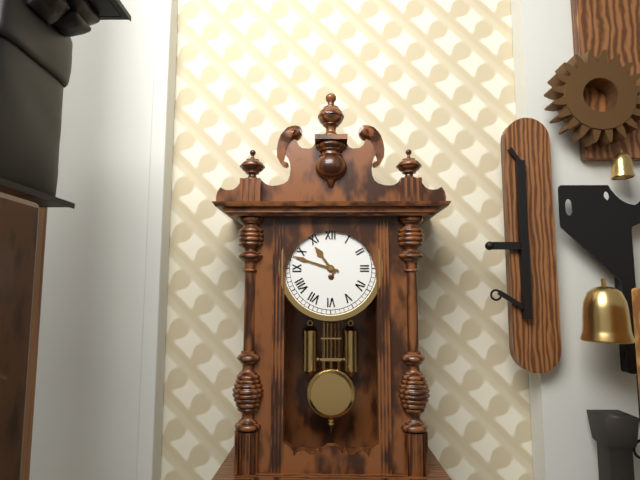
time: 10:48
